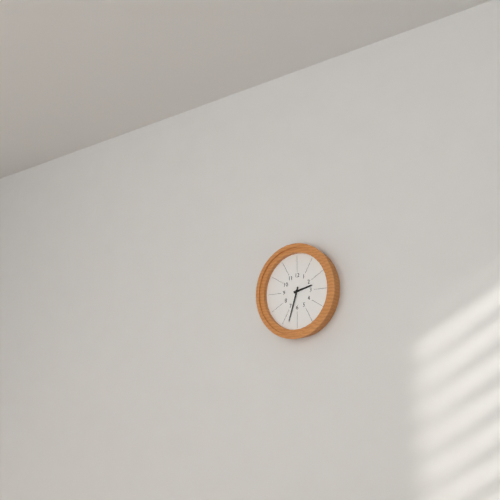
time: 2:33
